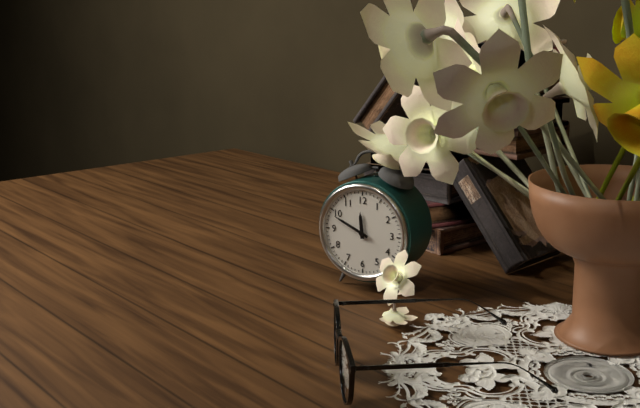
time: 11:49
